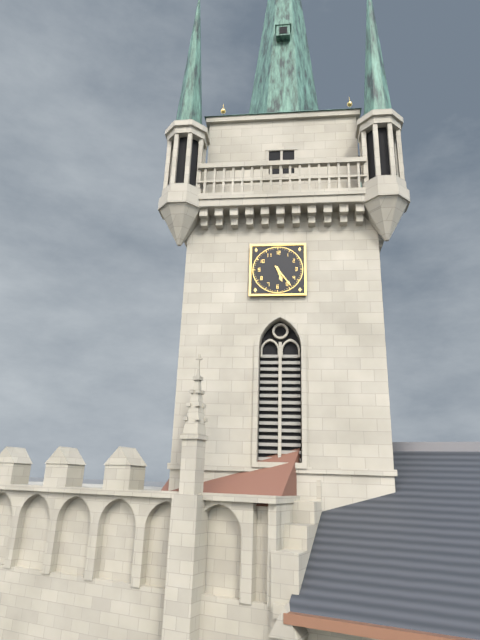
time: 5:24
